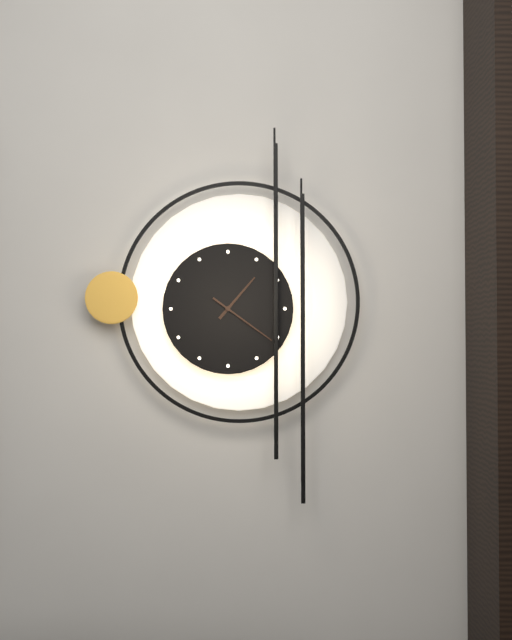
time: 1:21
